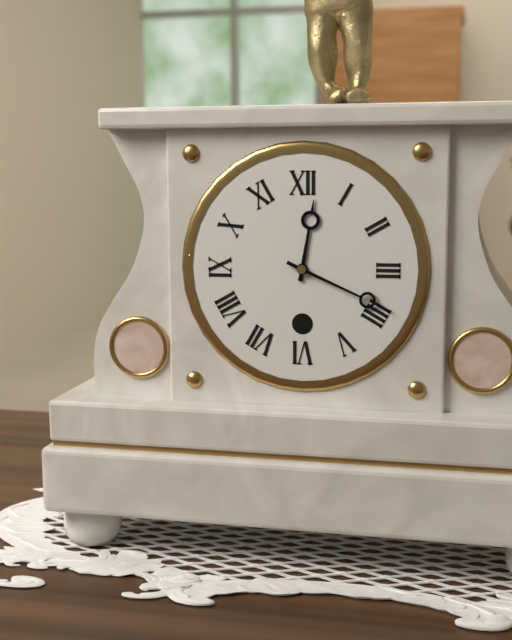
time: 12:19
